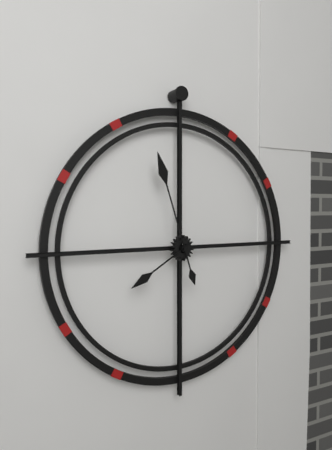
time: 7:57
